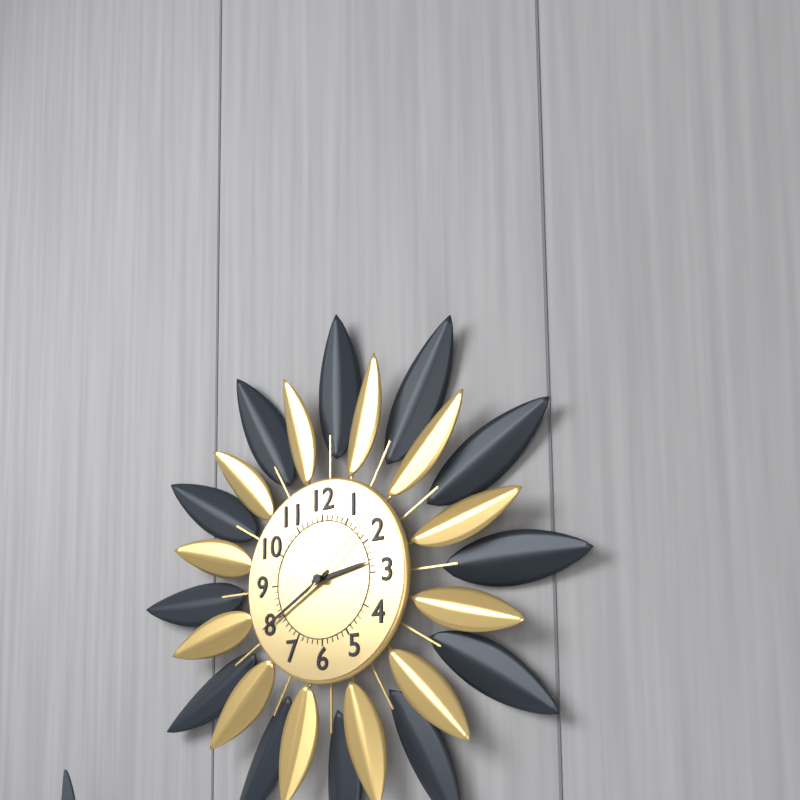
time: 2:40:08
